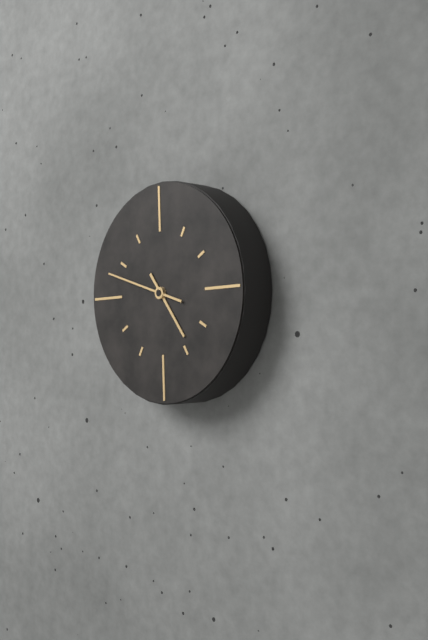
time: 4:48
